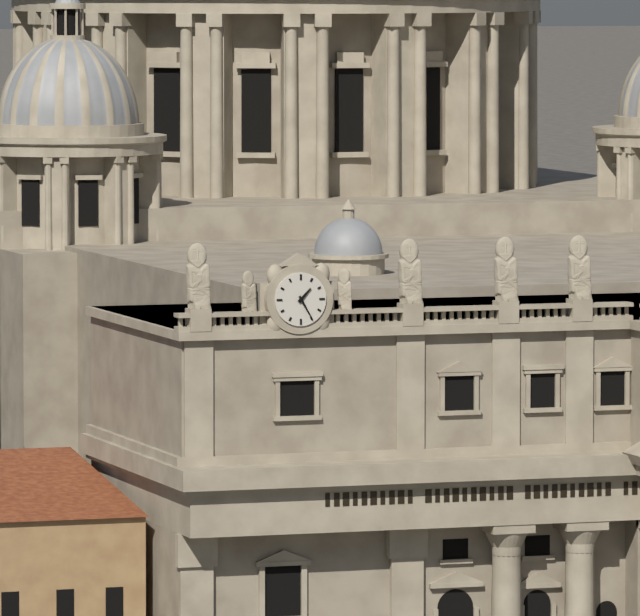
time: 1:25
